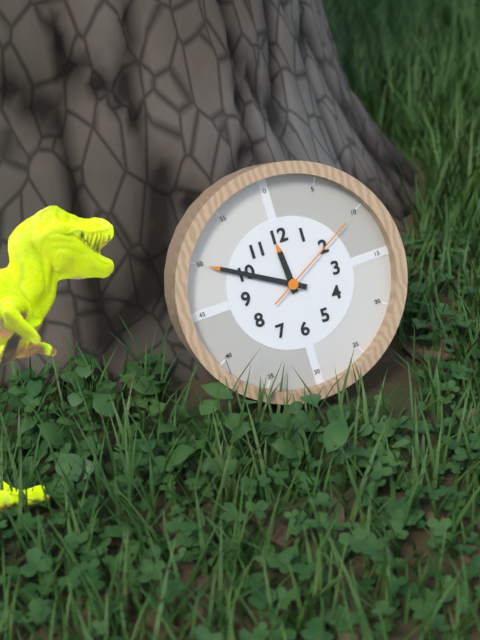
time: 11:50:10
